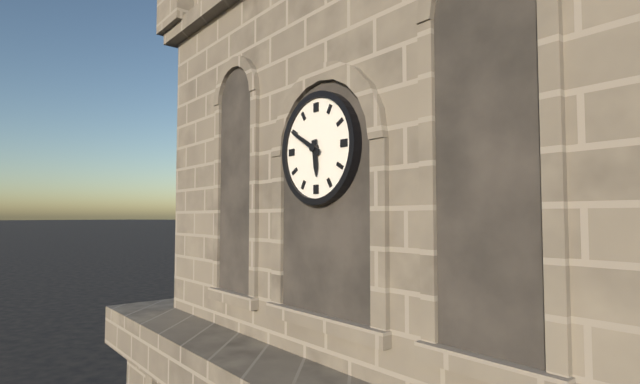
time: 5:50
